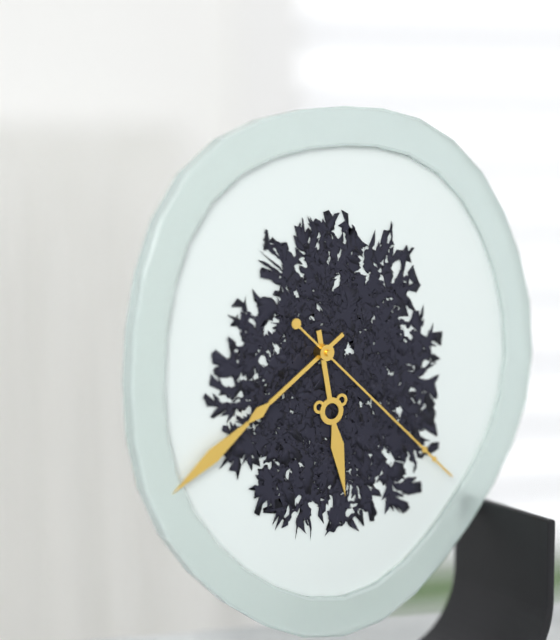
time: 5:39:22
